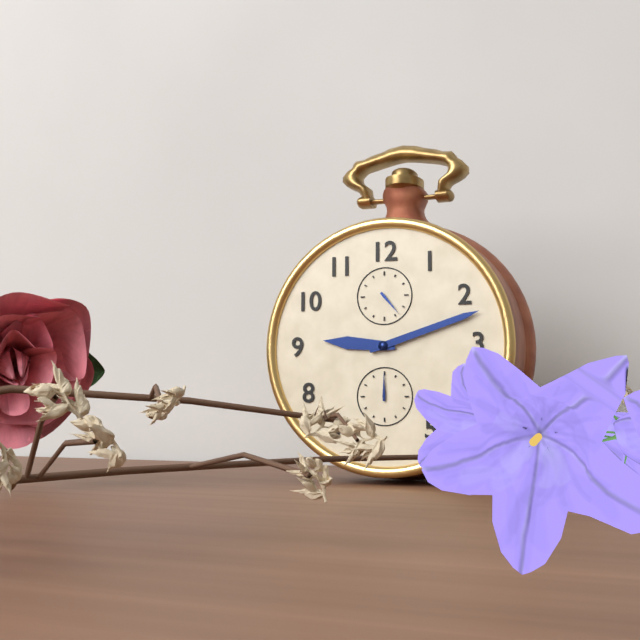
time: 9:12
